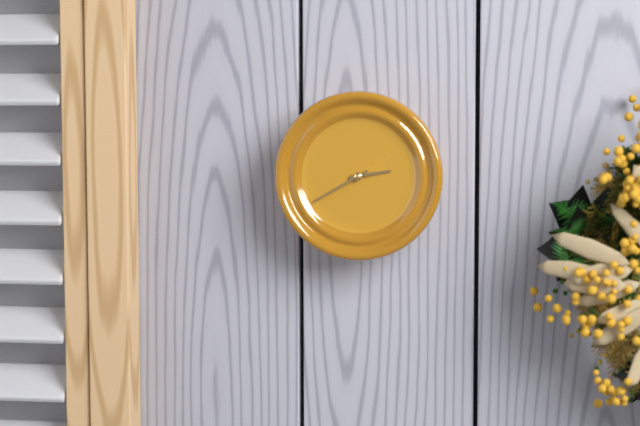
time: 2:40
